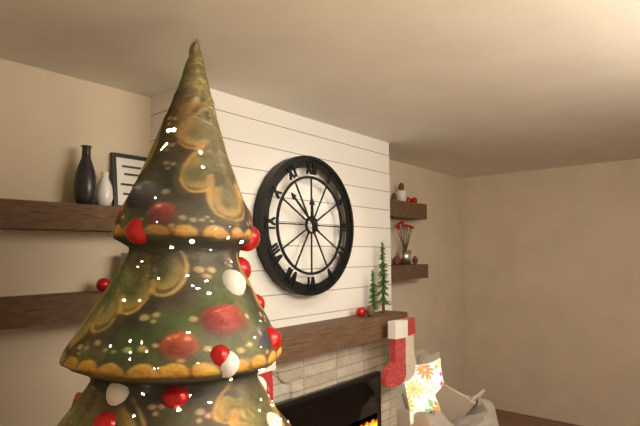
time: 11:52
